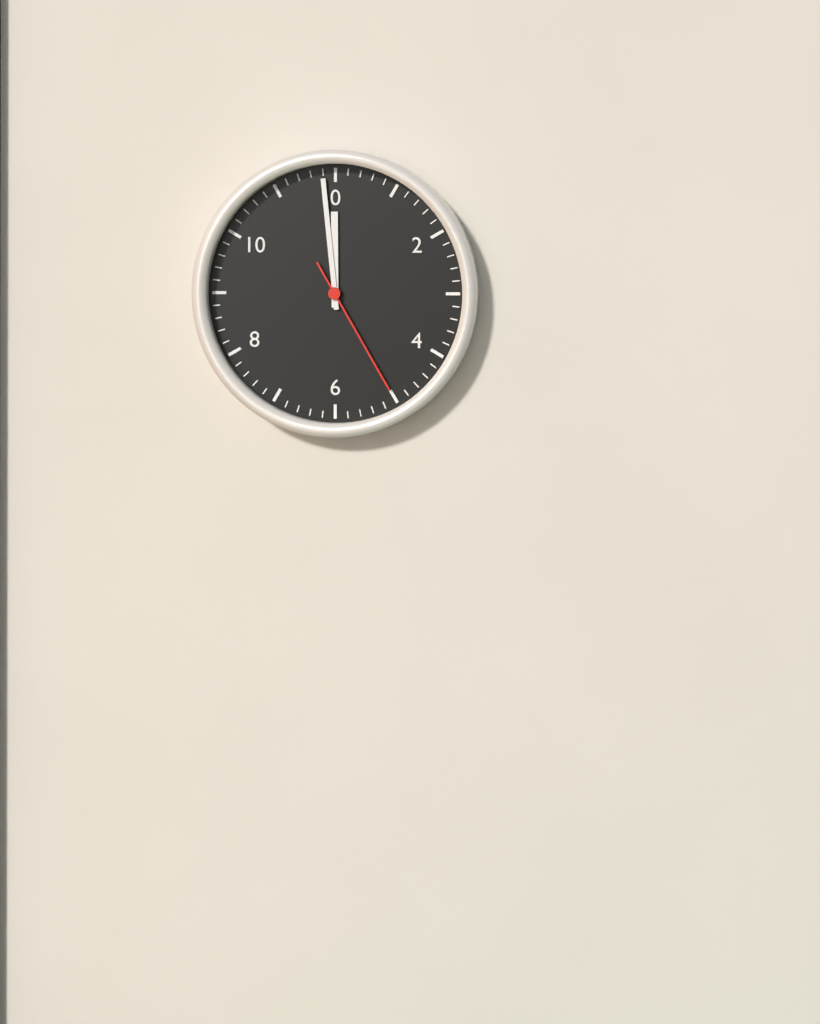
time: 11:59:25
